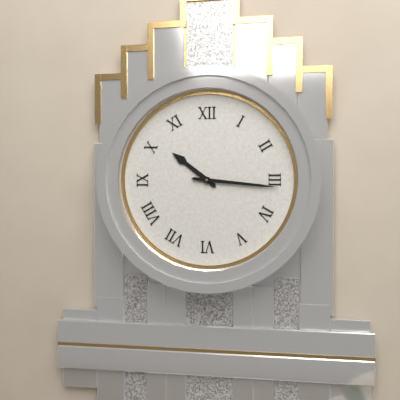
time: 10:16
